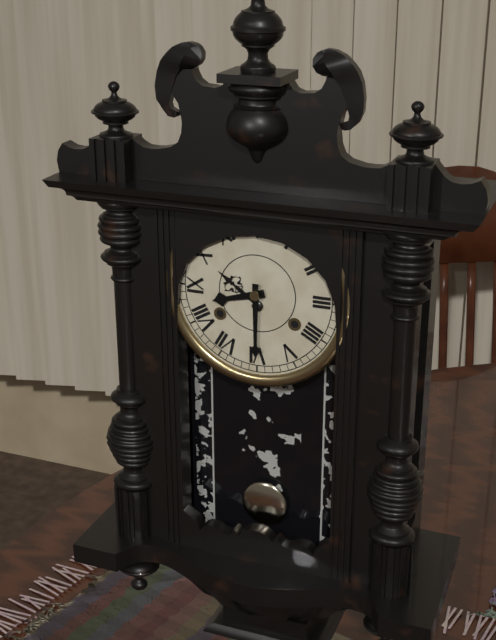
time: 8:30
